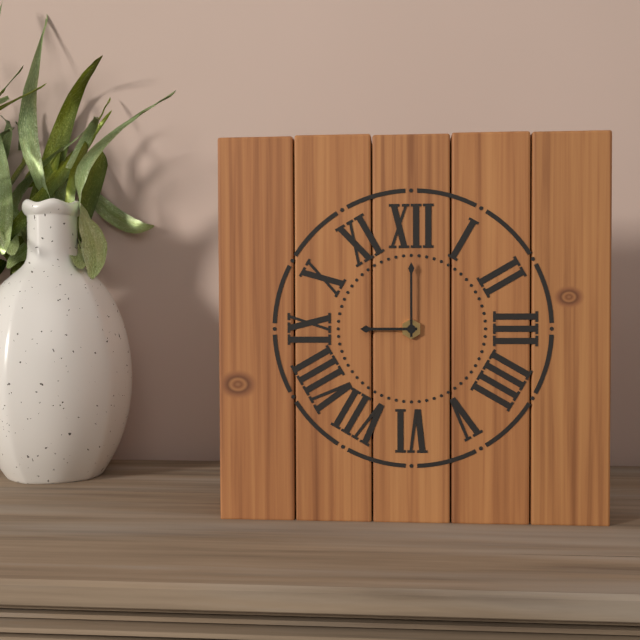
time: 9:00
